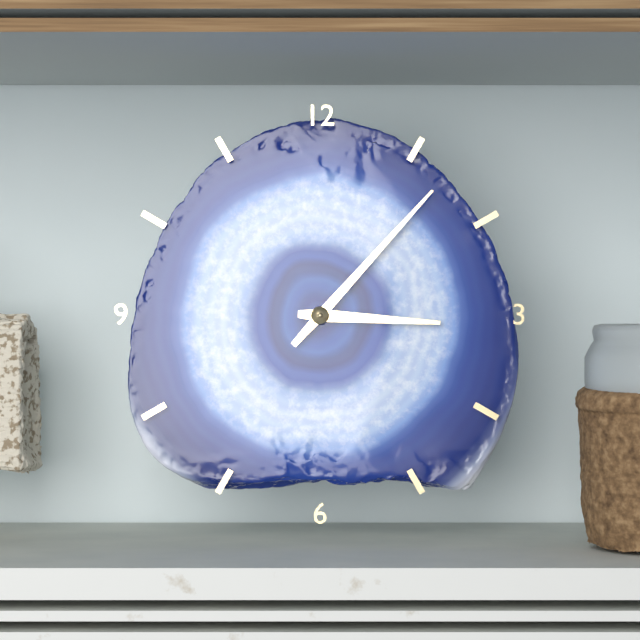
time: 3:07
